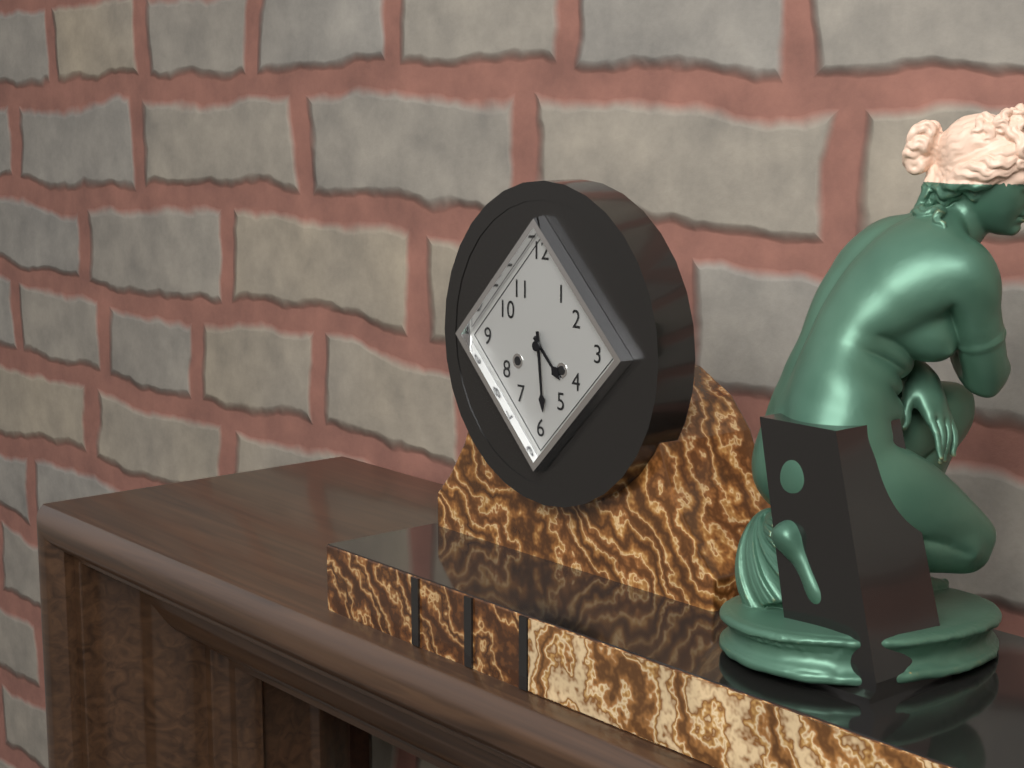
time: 4:29
